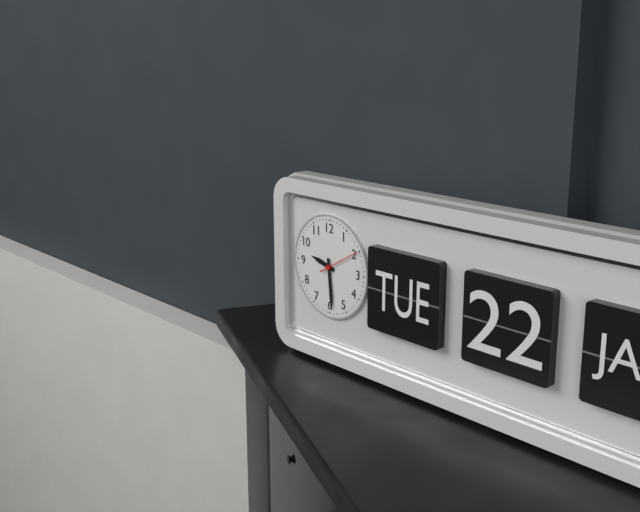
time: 9:29
